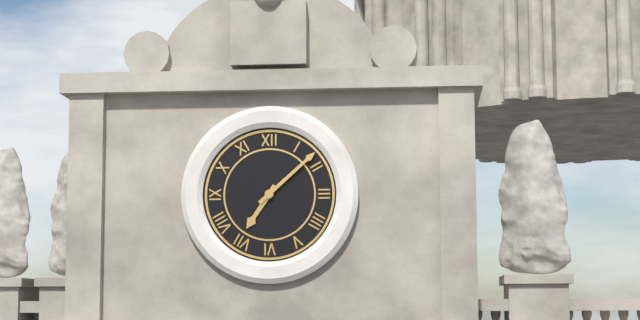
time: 7:08
